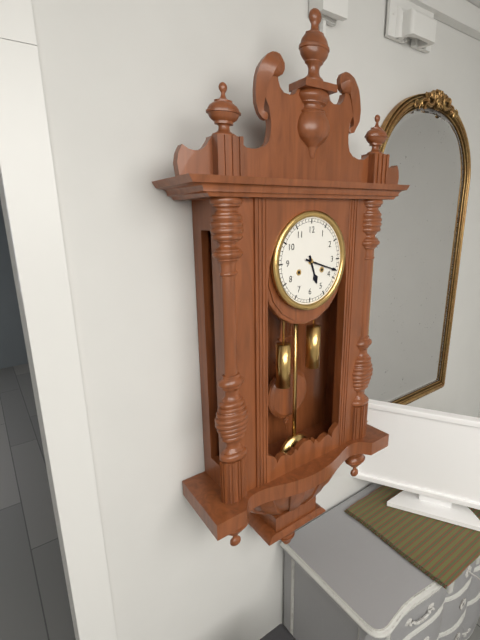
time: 5:18
